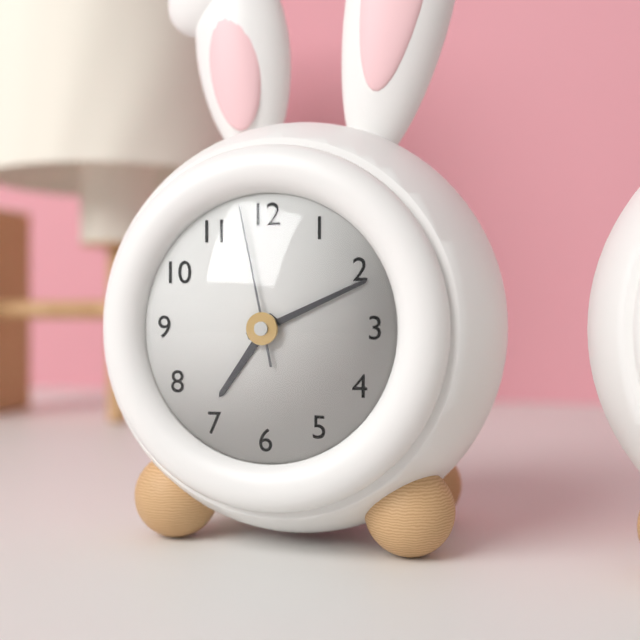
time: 7:11:58
